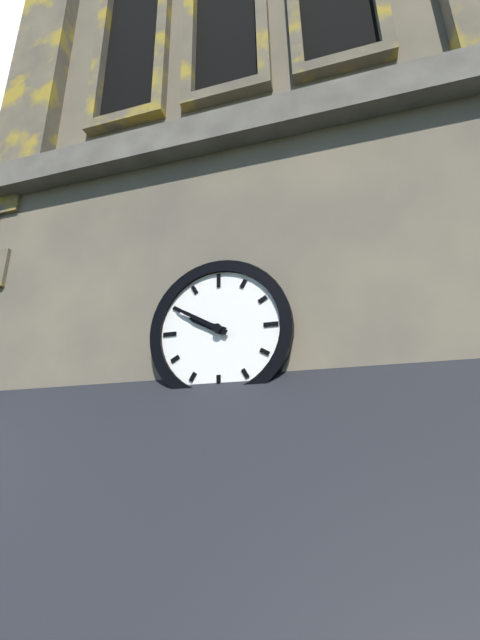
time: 9:50
